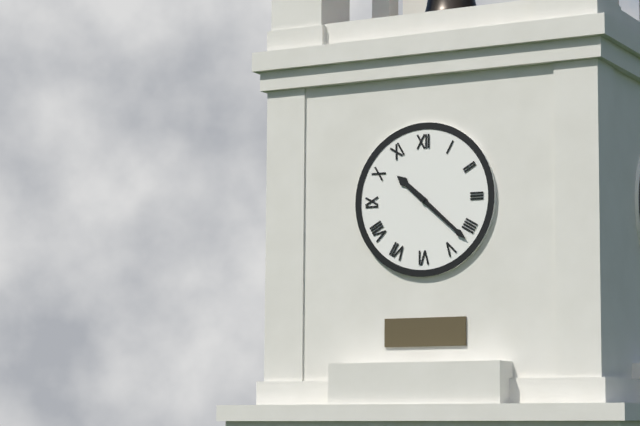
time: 10:22
